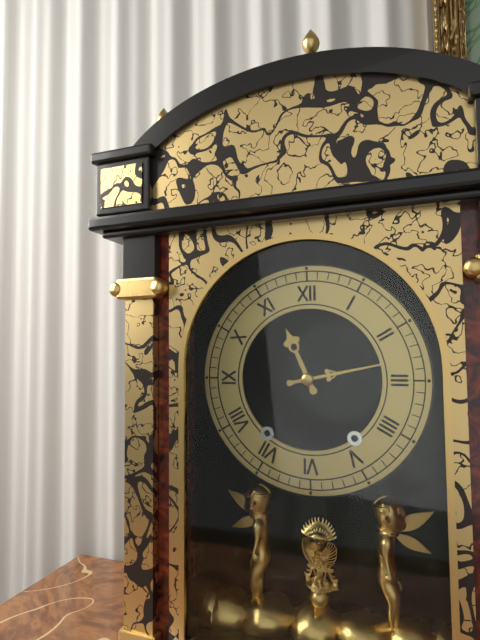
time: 11:13
